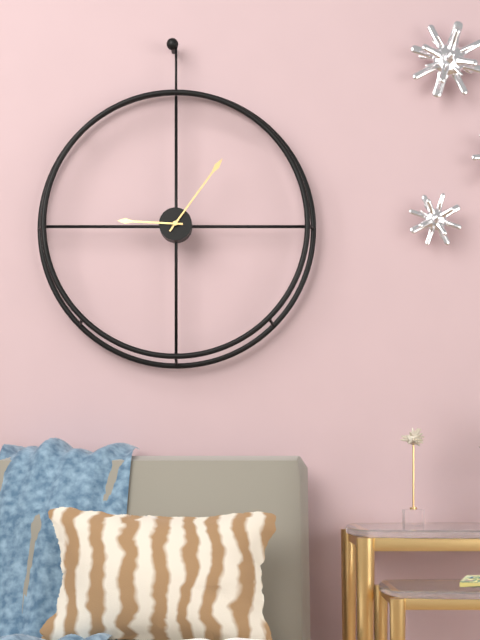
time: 9:06
